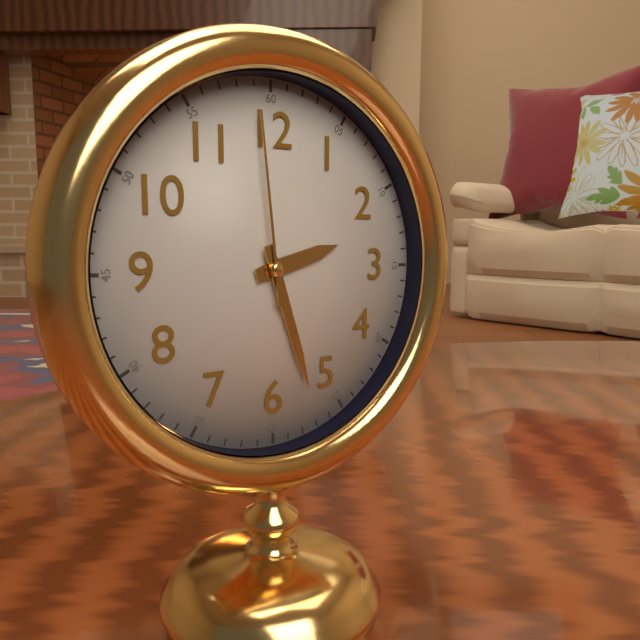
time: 2:27:59
